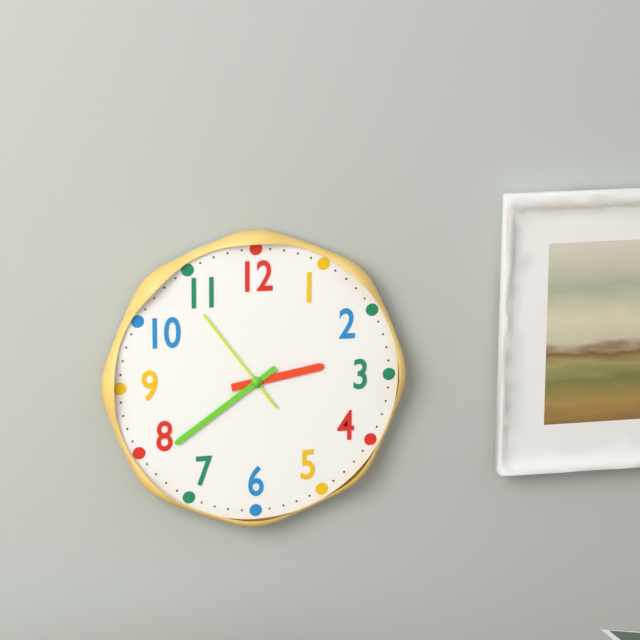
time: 2:39:54
